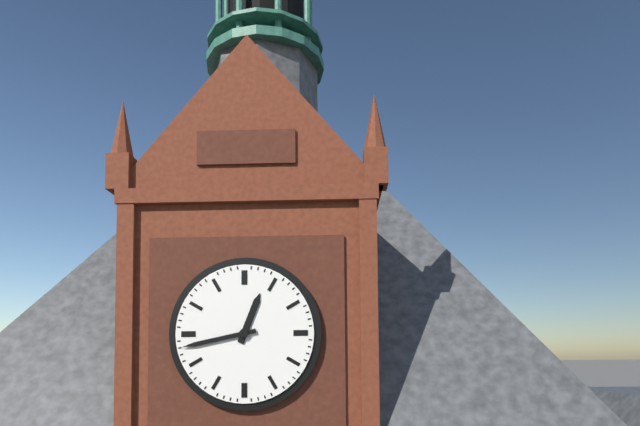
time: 12:43
